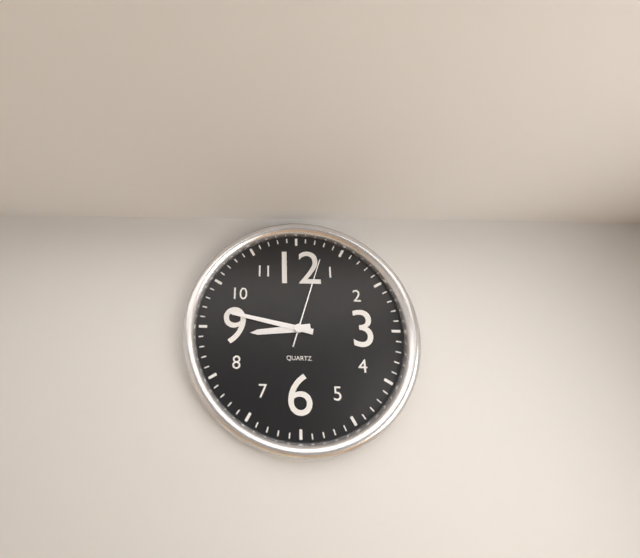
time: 8:47:03
